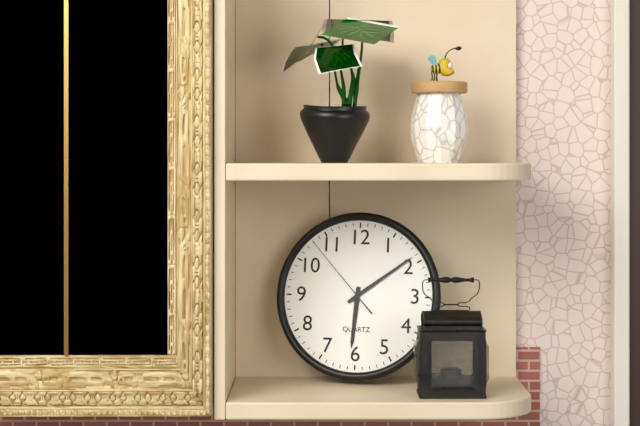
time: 6:09:53
